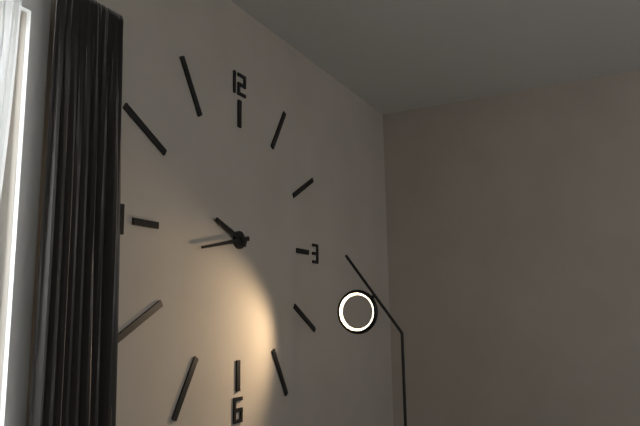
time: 9:43
